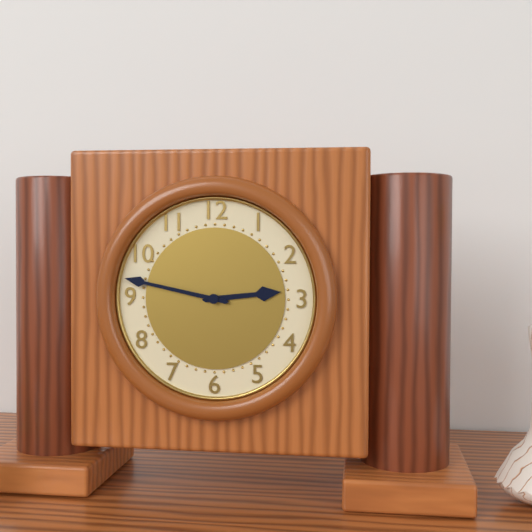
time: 2:47
